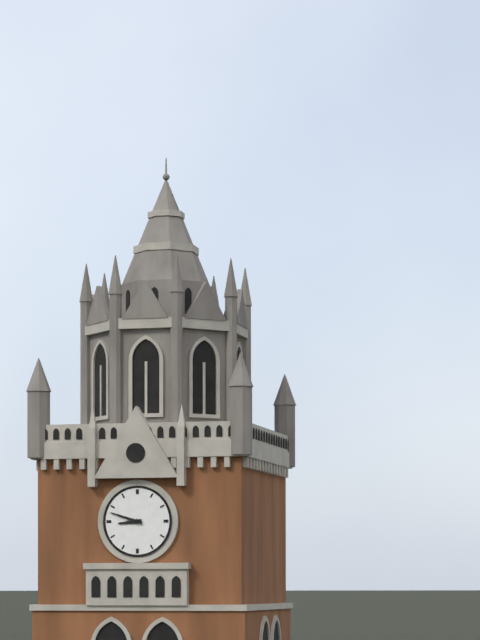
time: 8:48
